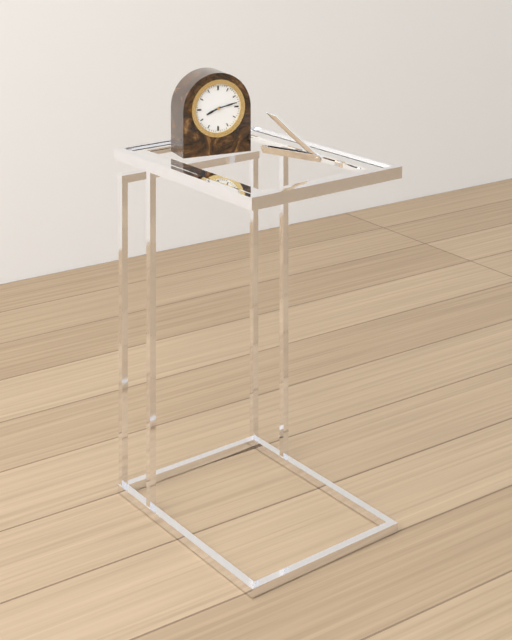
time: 8:13
